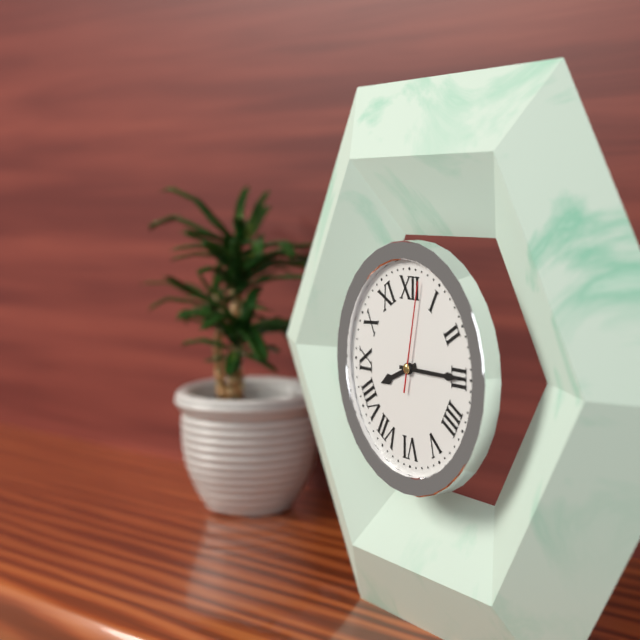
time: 8:15:02
